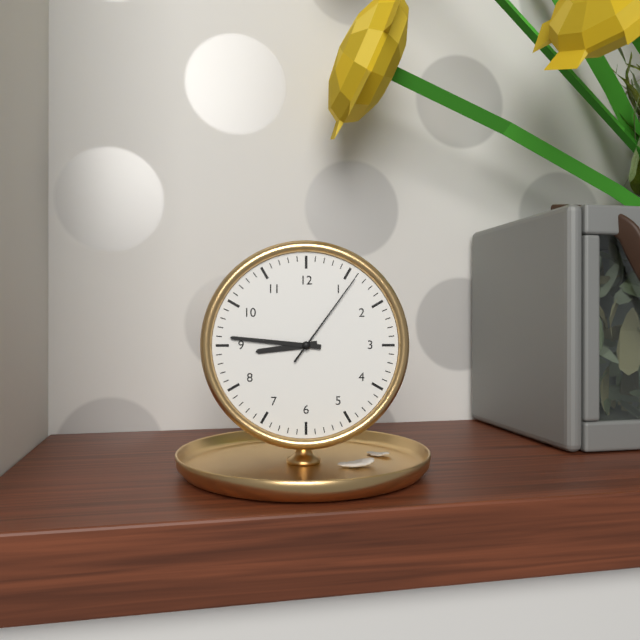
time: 8:46:06
